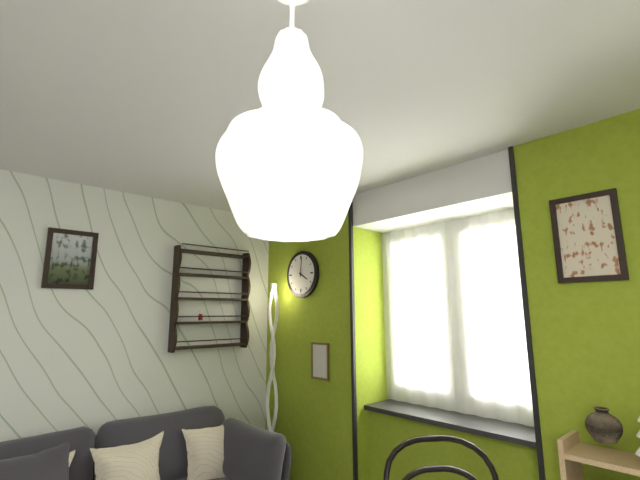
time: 4:01
